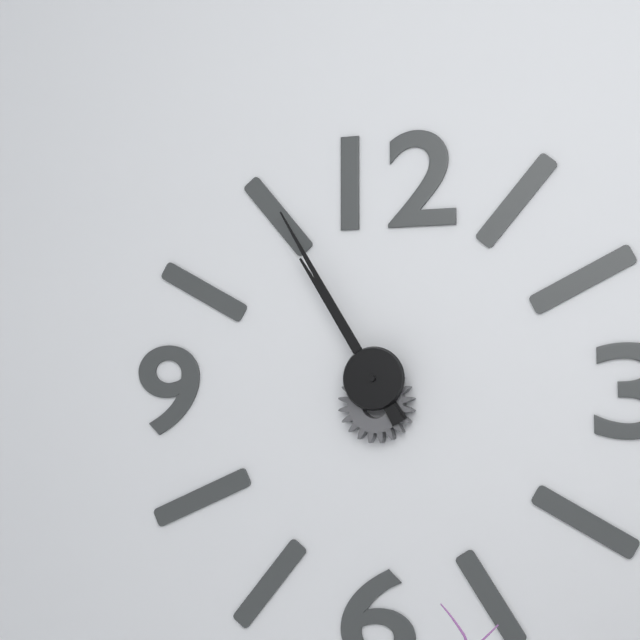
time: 10:55
